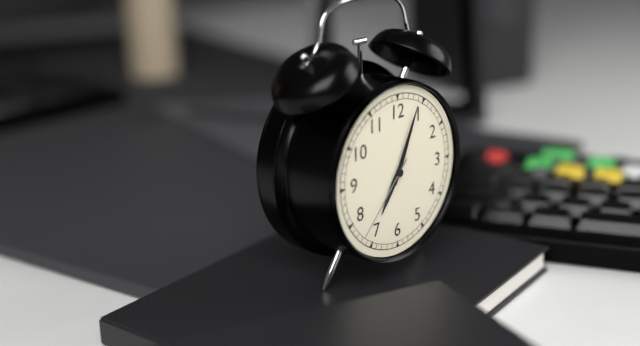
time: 7:04:37
